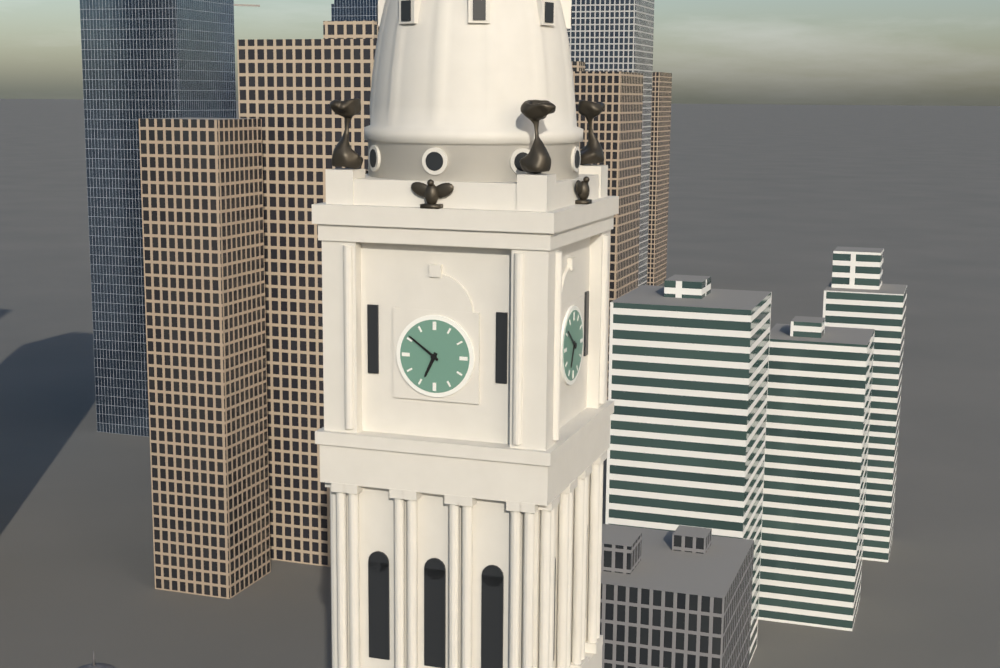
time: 6:51
